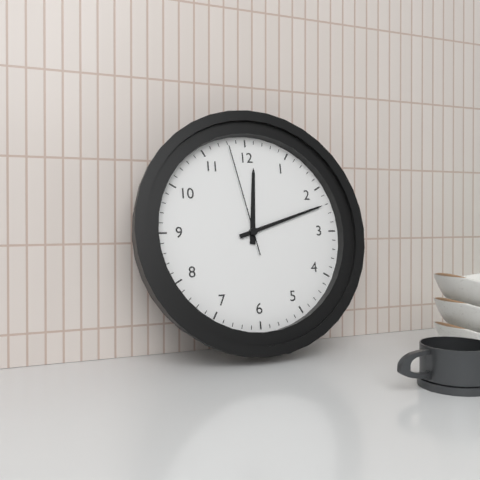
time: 12:12:58
